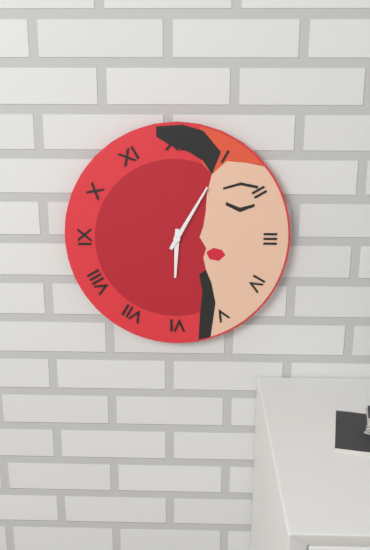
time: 6:05
